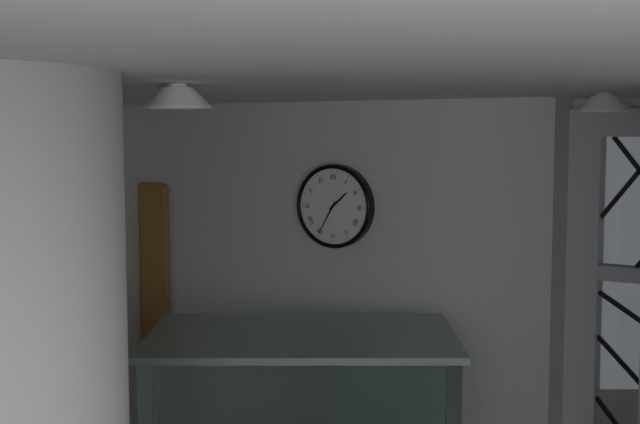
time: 1:35
